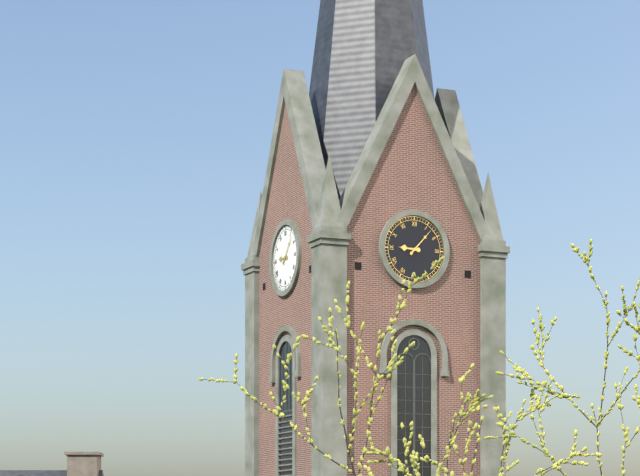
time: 9:07
